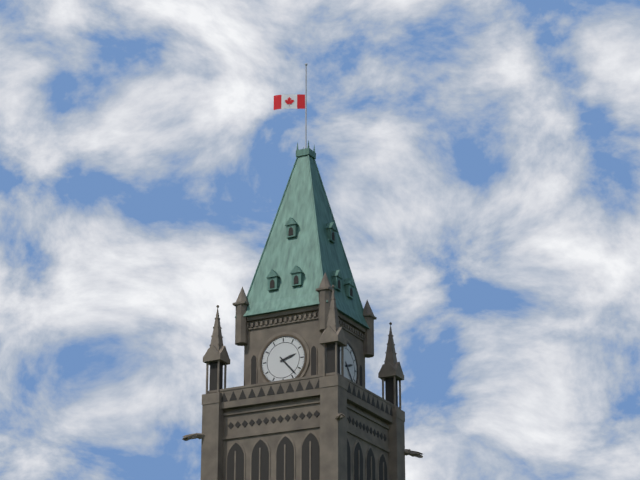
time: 2:23
